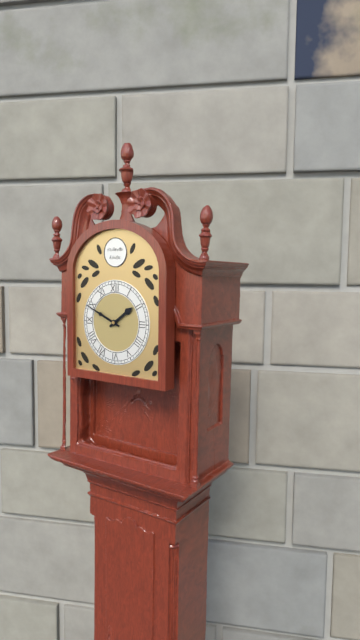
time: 1:49
